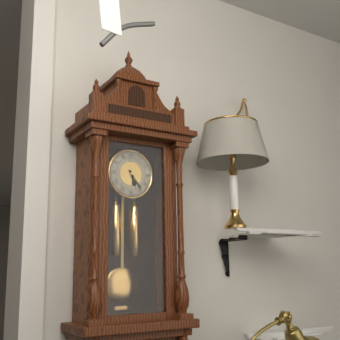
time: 5:24
